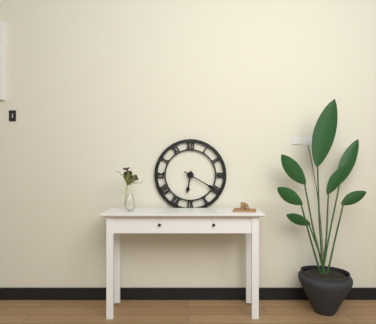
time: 6:20
